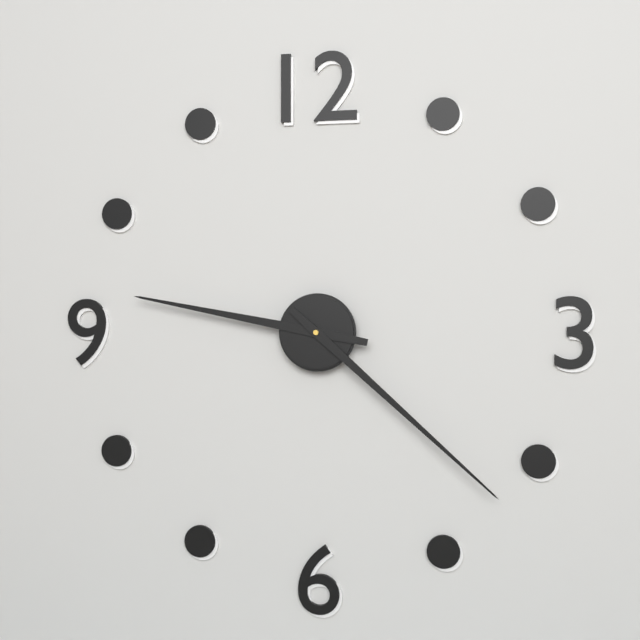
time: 9:22
